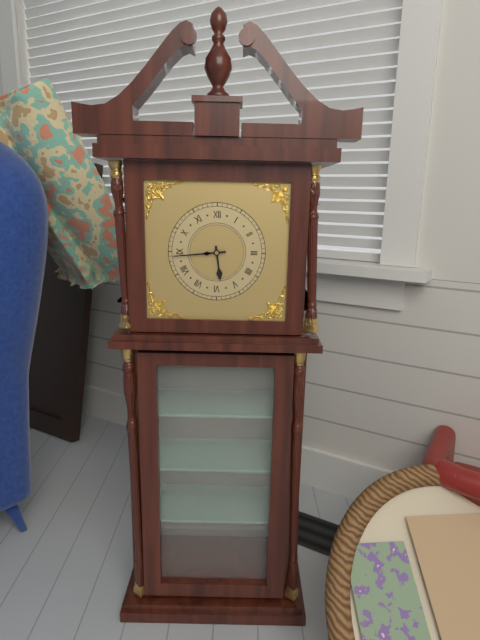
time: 5:44
